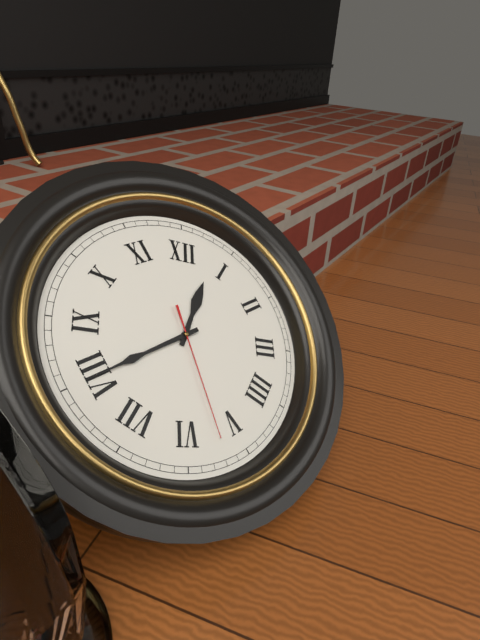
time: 12:40:27
